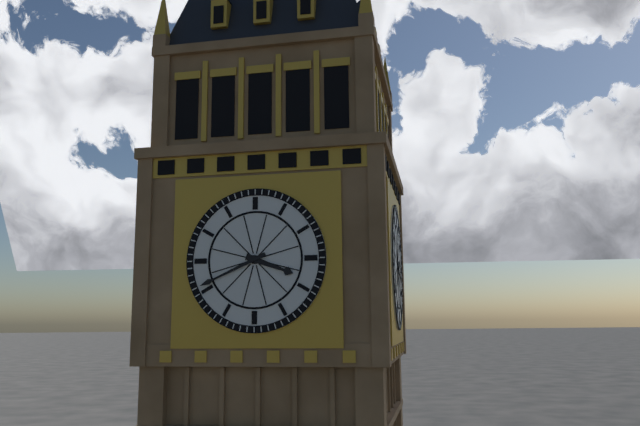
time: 3:41
